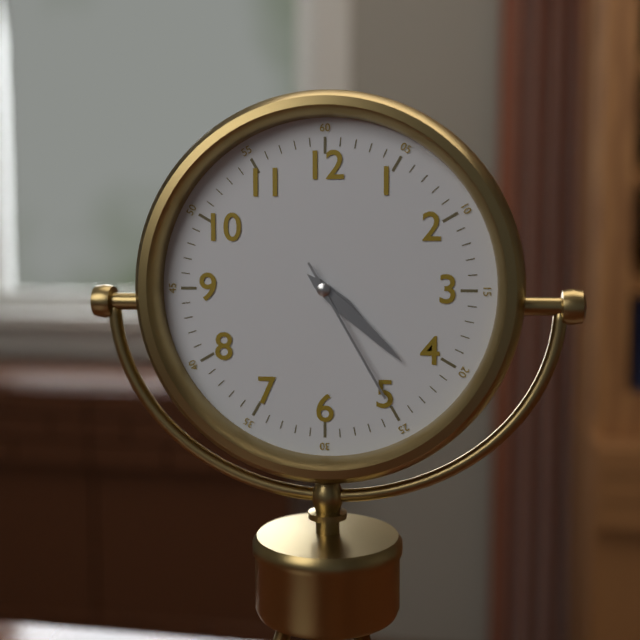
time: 4:22:25
